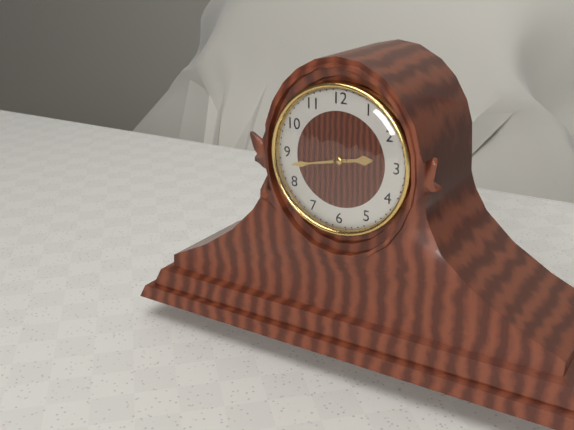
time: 2:43
